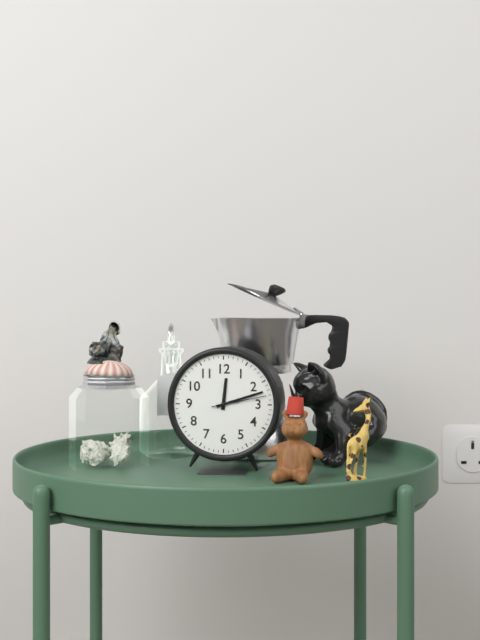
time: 12:12:13
